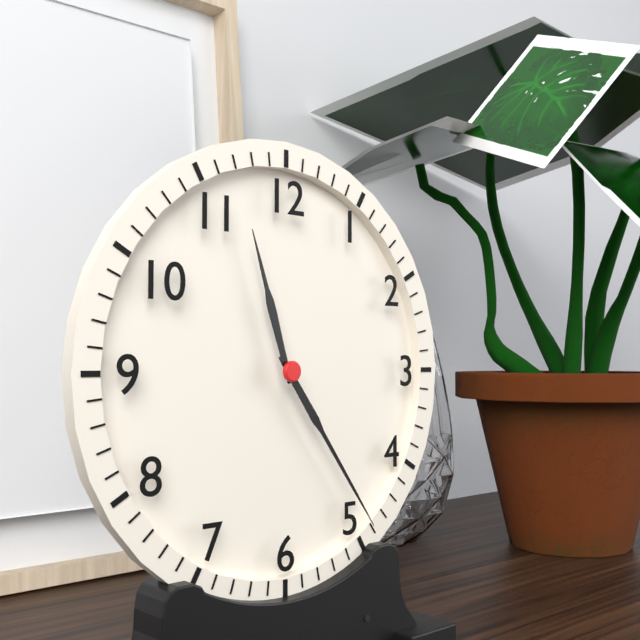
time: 11:24
